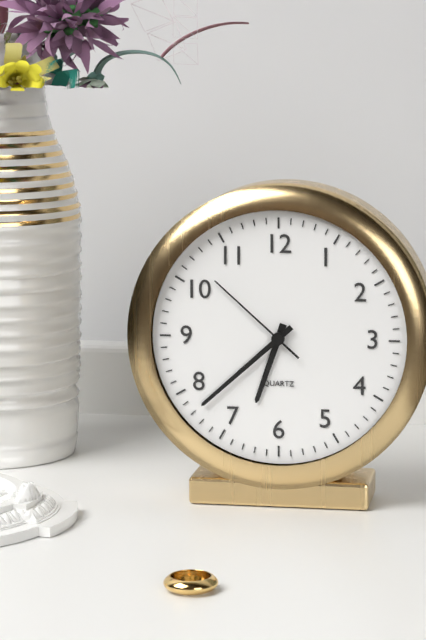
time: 6:38:52
